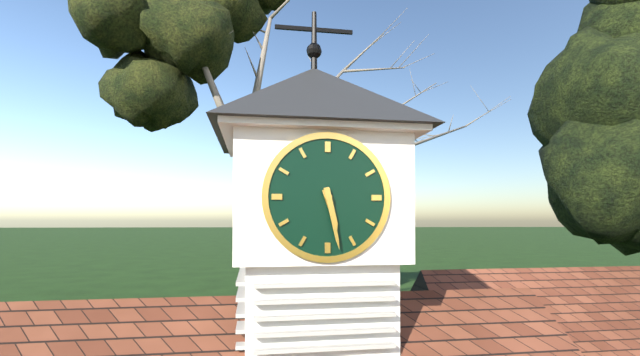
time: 5:28
